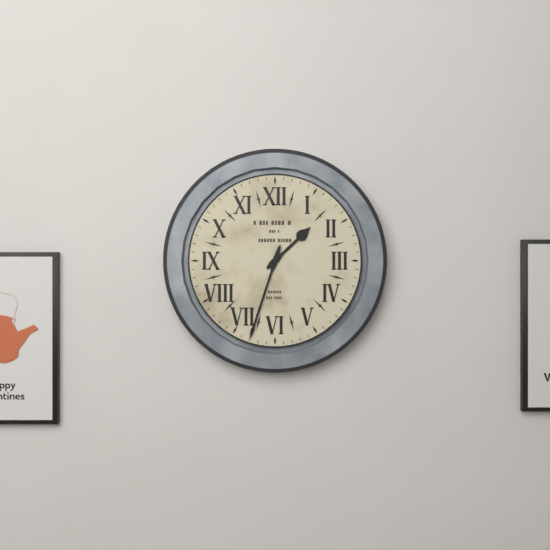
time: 1:33
